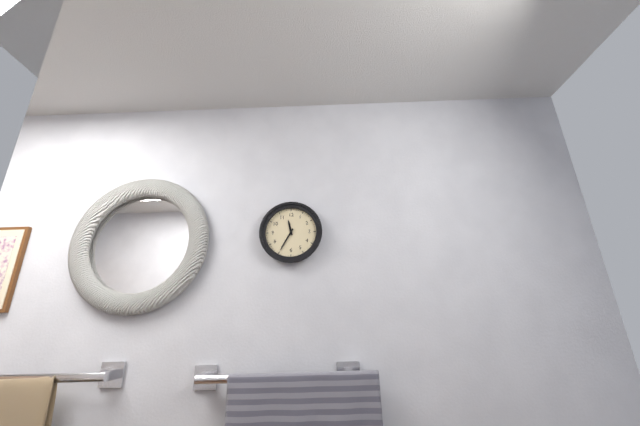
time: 11:35
